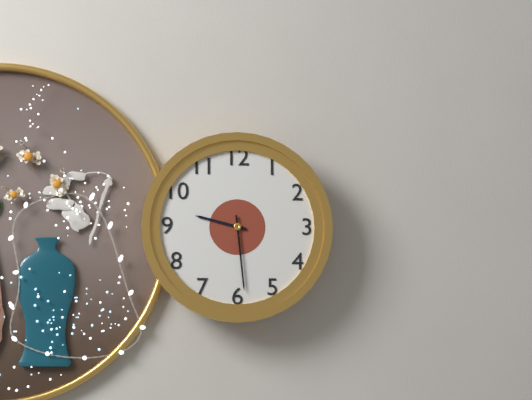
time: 9:29
